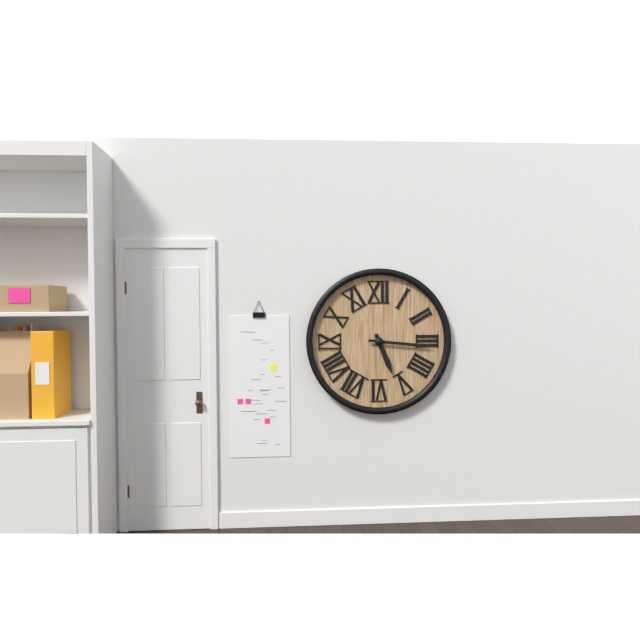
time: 5:16
